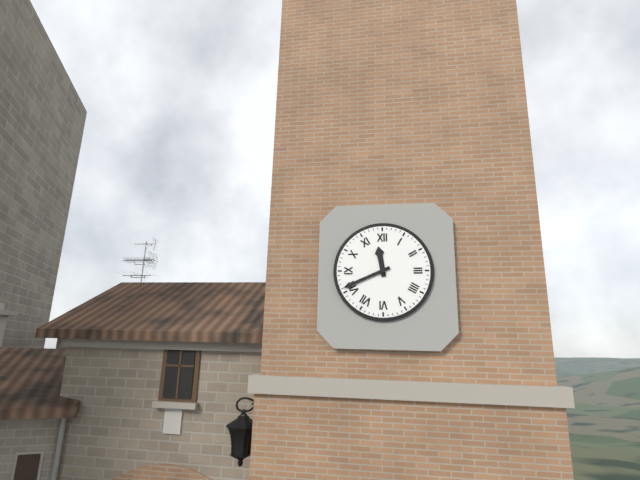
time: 11:41
